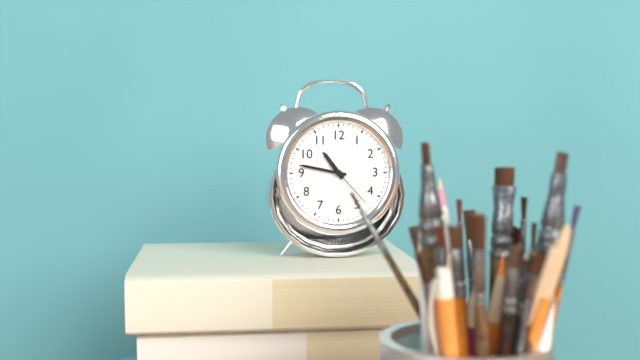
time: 10:47:23
